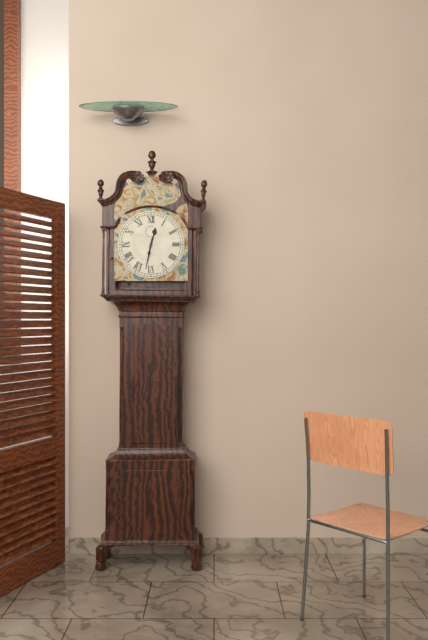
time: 12:32
